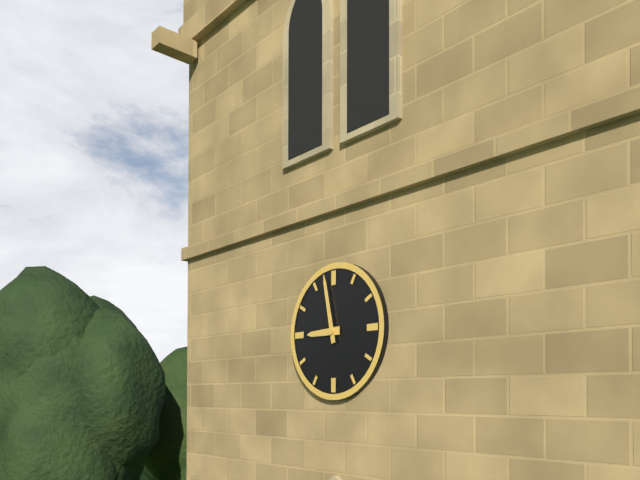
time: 8:58
